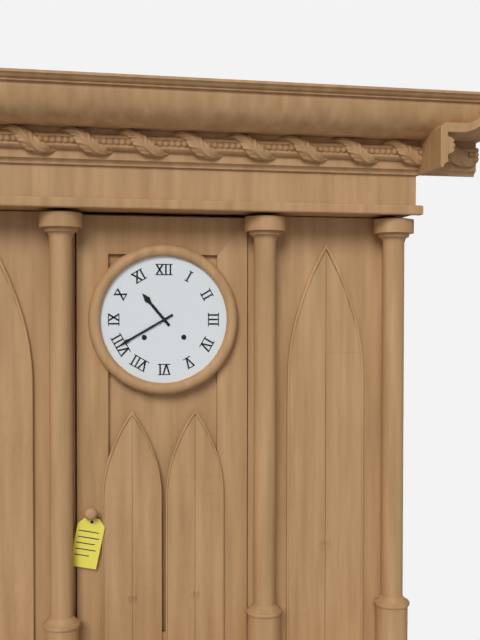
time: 10:40
